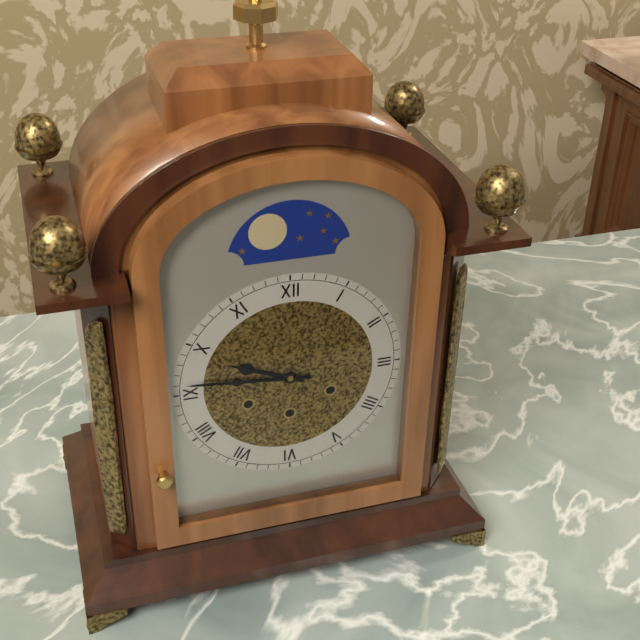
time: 9:46
